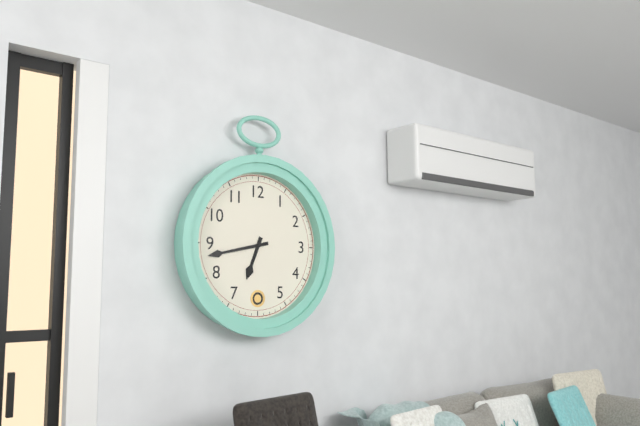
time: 6:43
